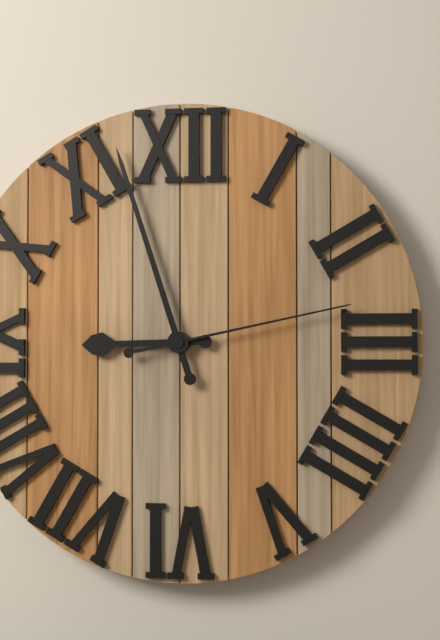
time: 8:57:13
